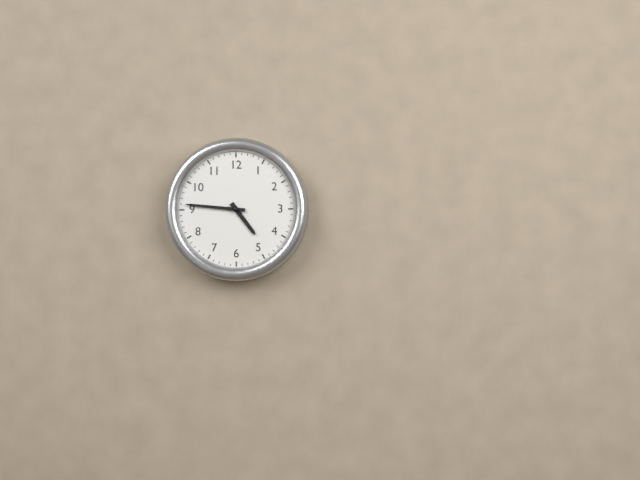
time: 4:46
